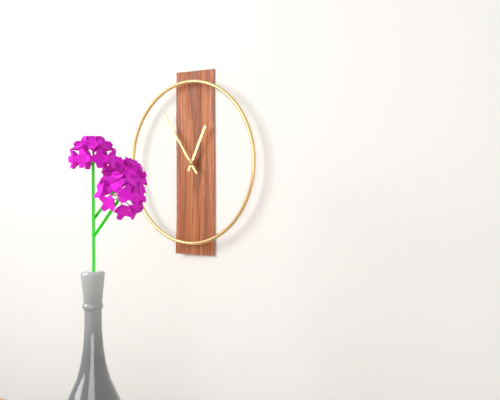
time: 12:54
